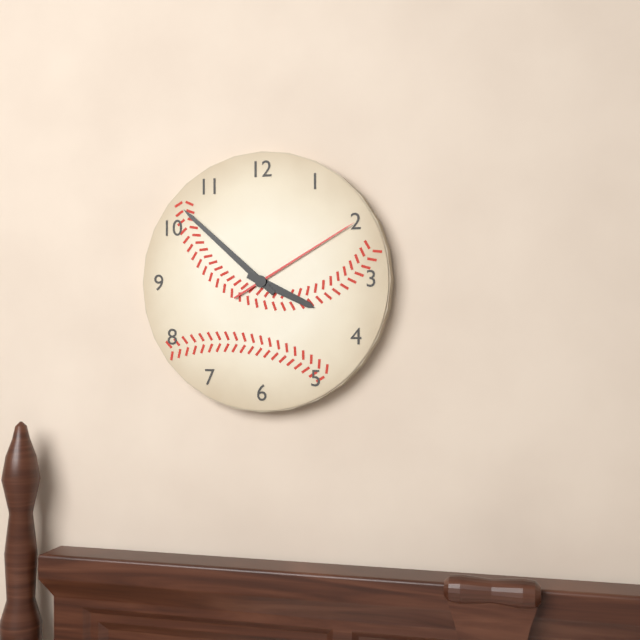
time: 3:52:10
